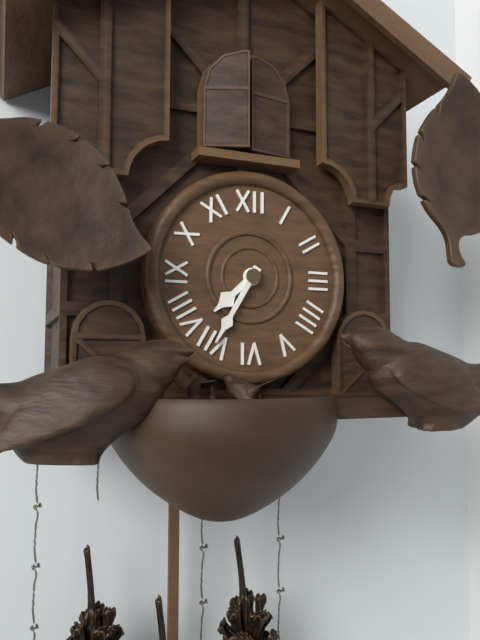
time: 7:35
